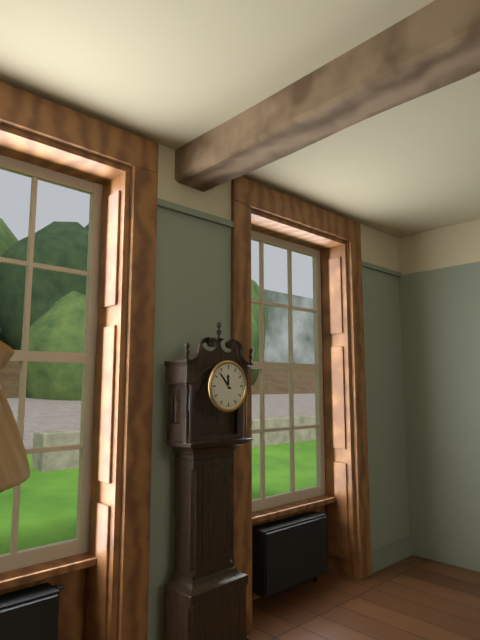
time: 11:53
